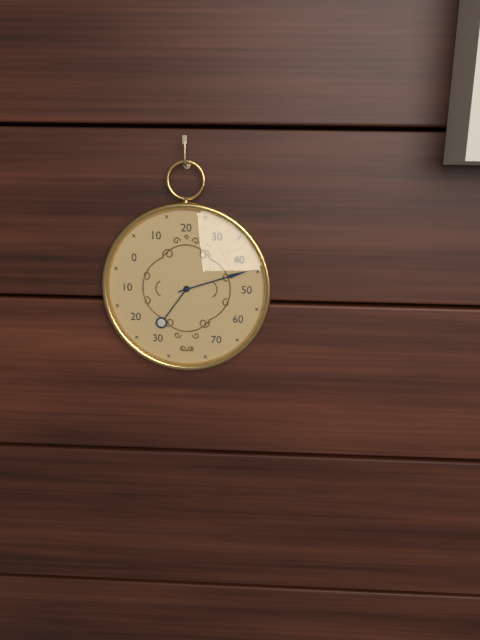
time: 7:12
